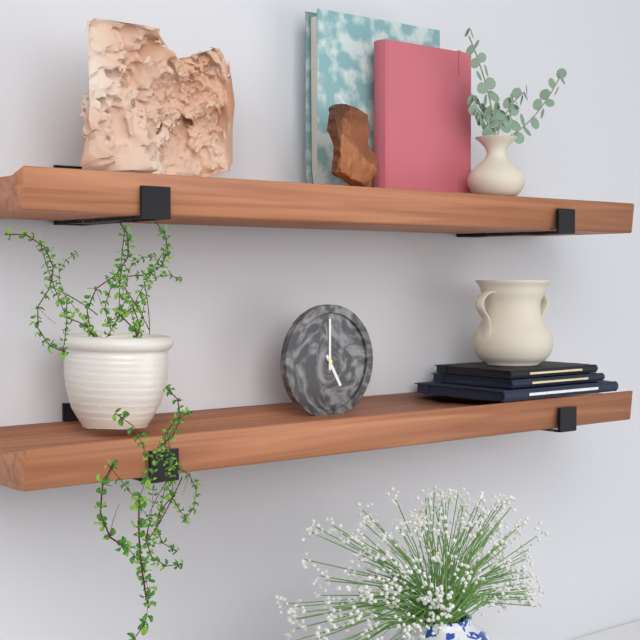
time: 5:00
